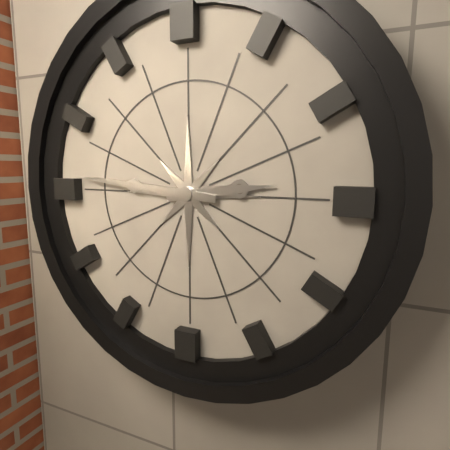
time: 2:46
